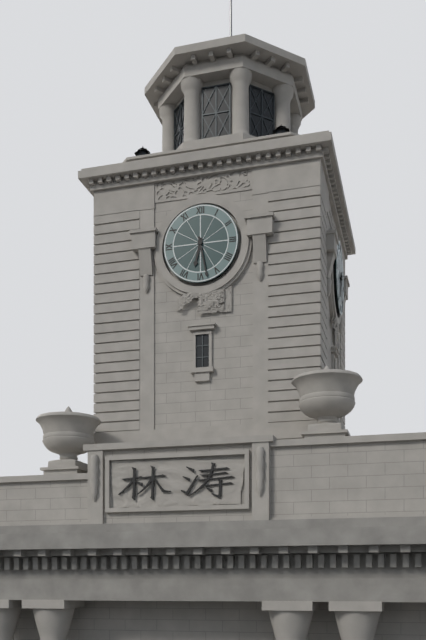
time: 6:28
